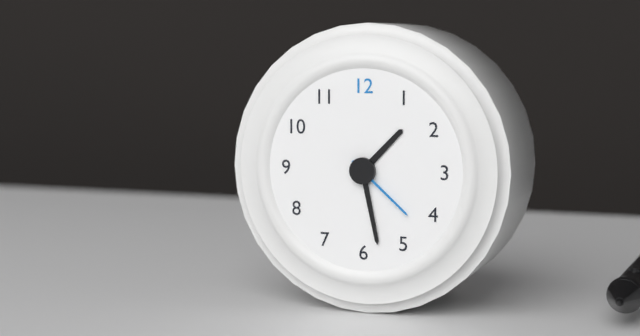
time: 1:28:22
